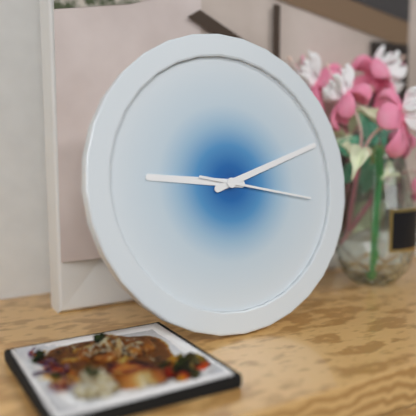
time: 9:12:17
